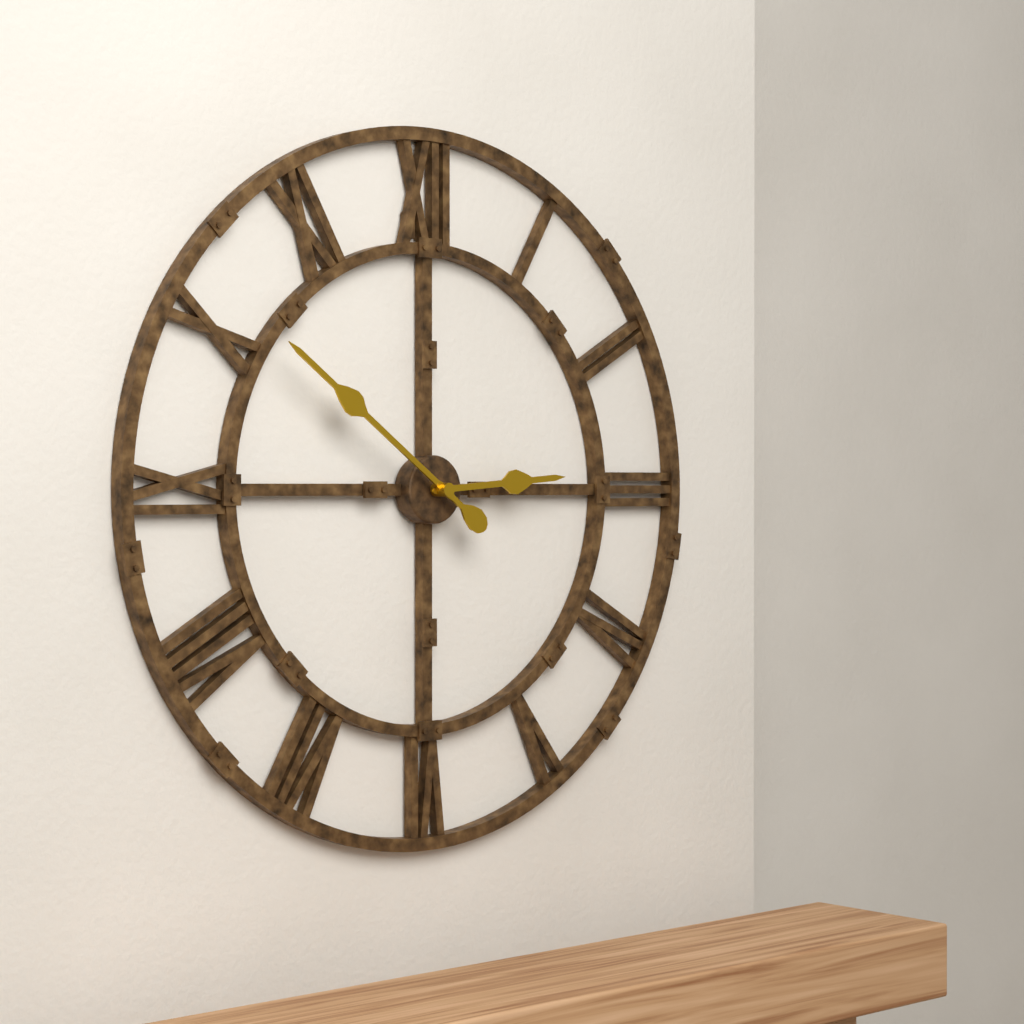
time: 2:51
